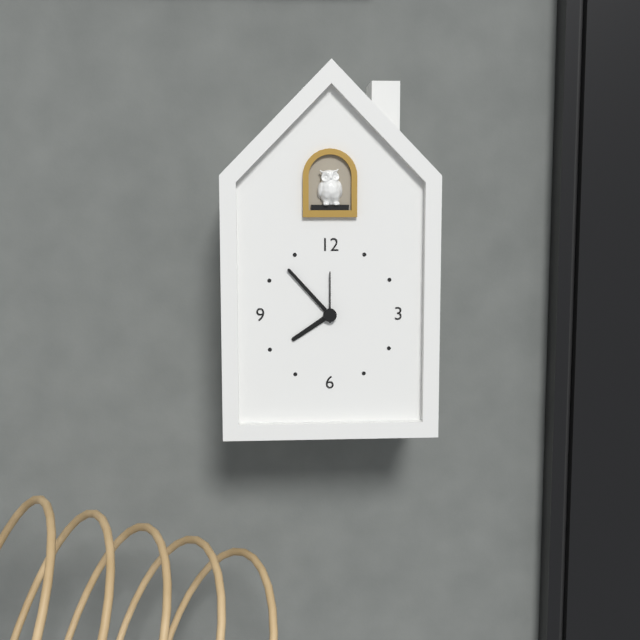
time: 7:53:00
